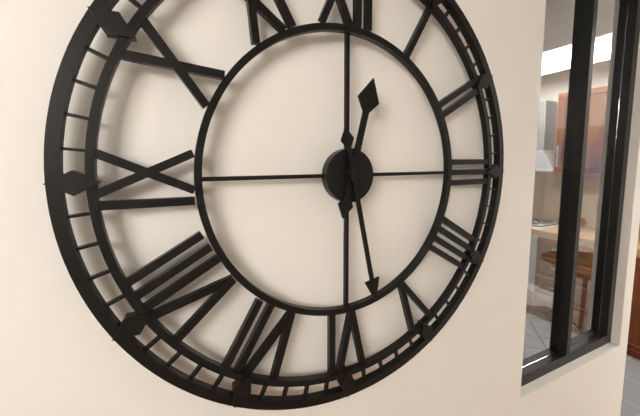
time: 12:28
